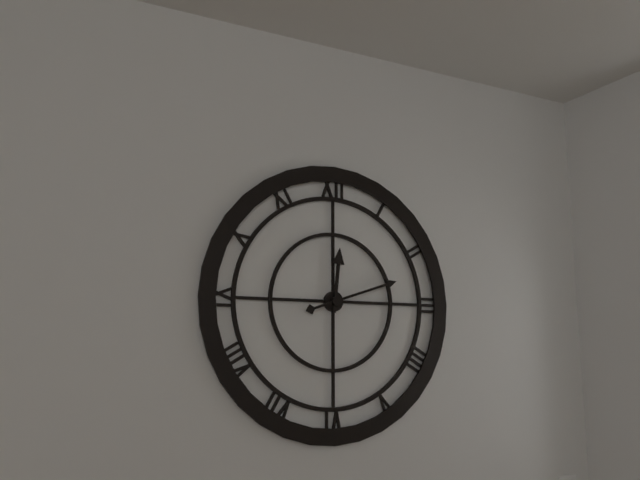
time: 12:12
